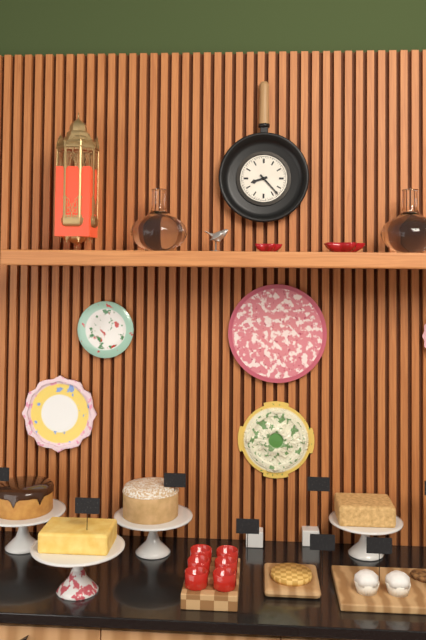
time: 8:23
